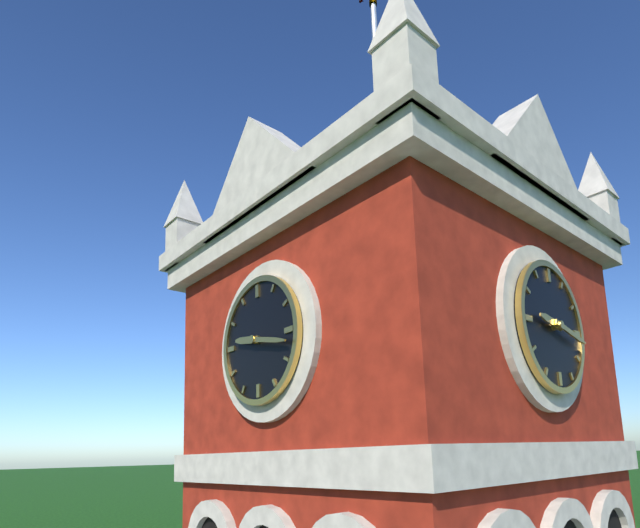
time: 9:17
